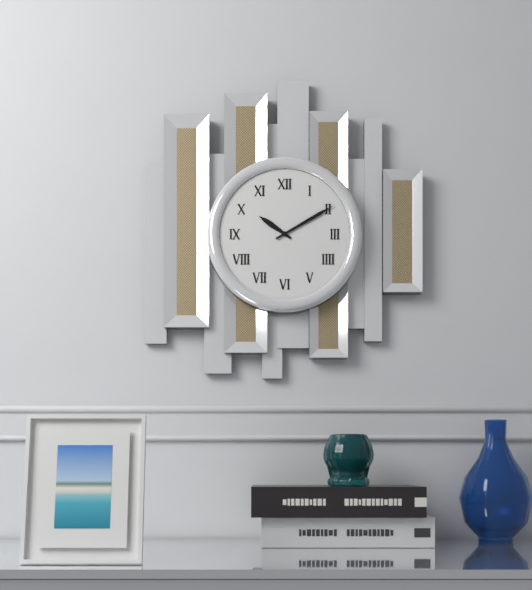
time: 10:10
